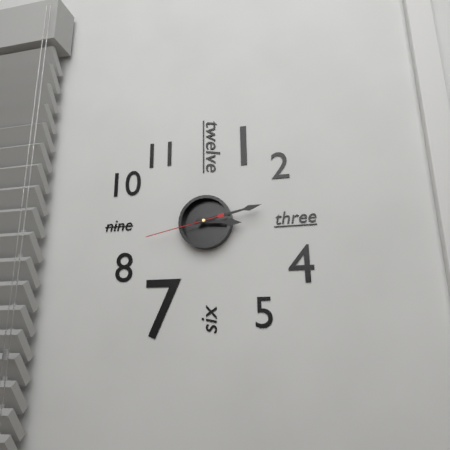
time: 3:13:43
